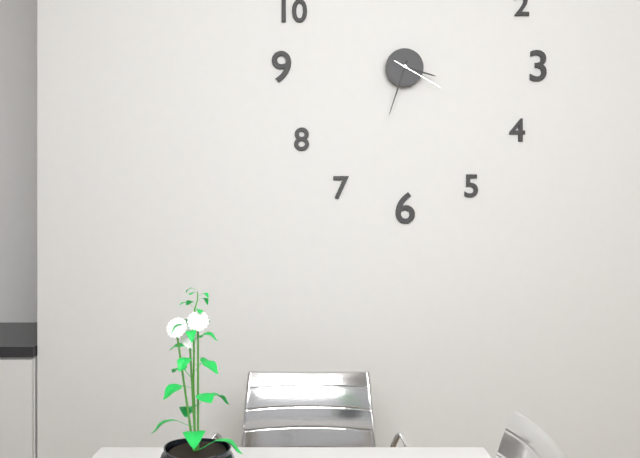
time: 3:33:20
